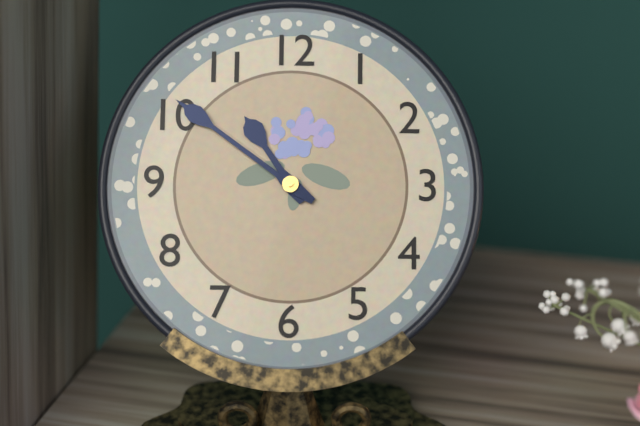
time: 10:51
